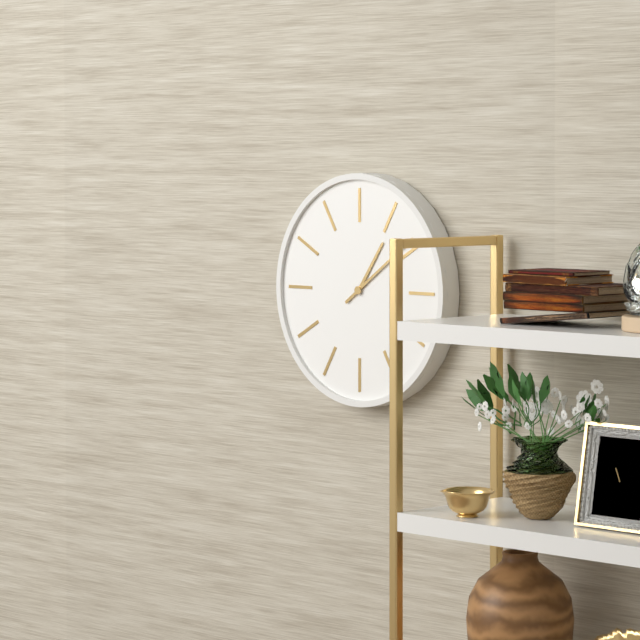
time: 1:09
